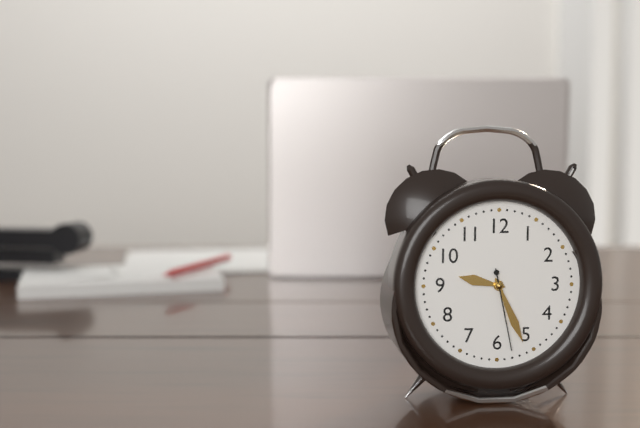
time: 9:26:28
